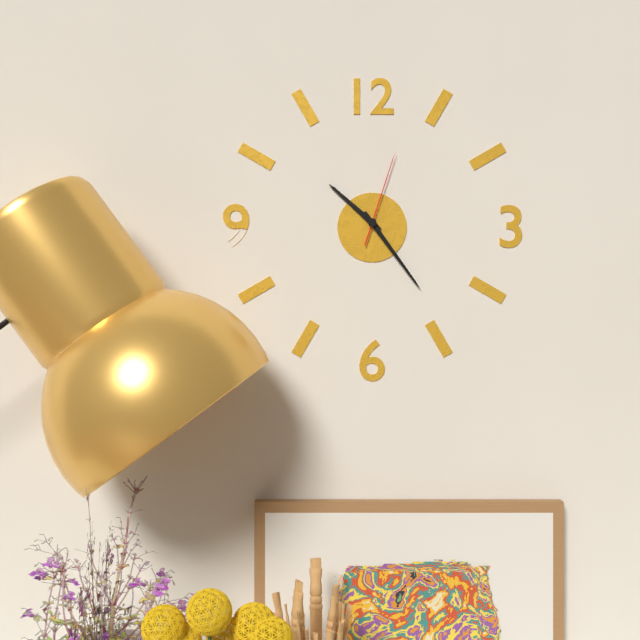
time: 10:24:03
